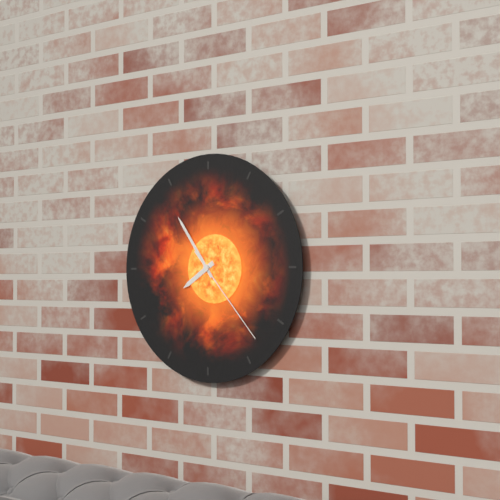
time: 7:54:23
